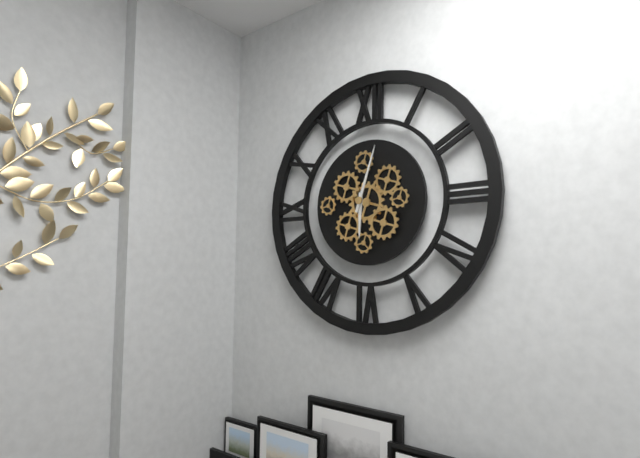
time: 6:03
